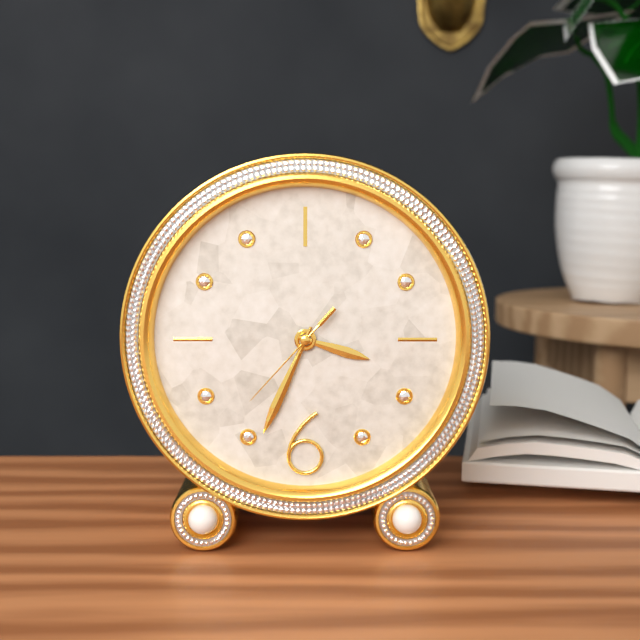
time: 3:34:37
